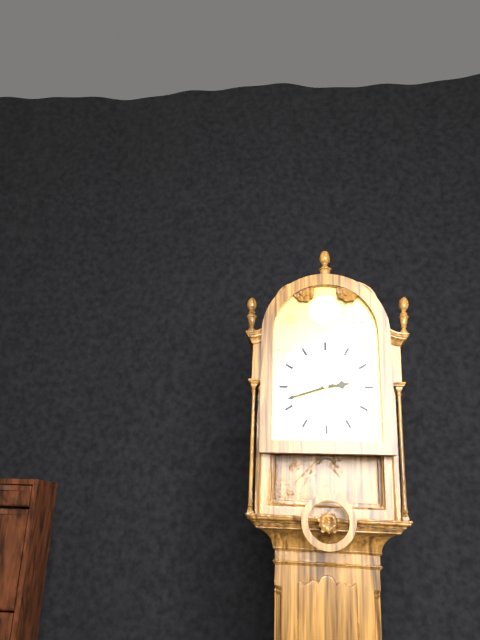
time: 2:42
